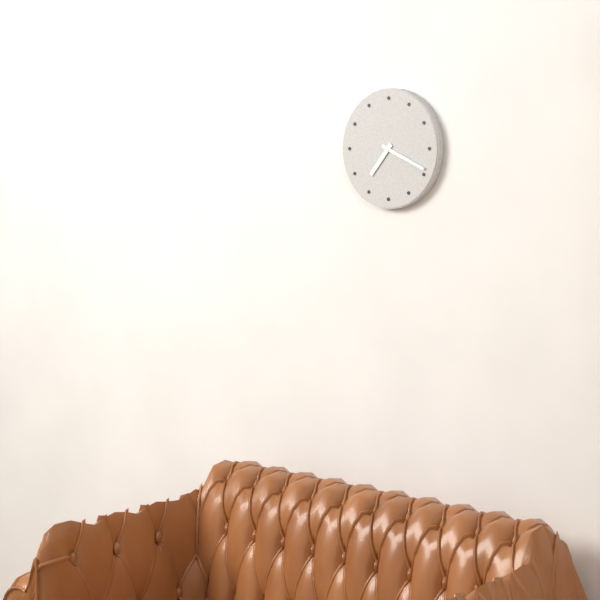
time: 7:19
